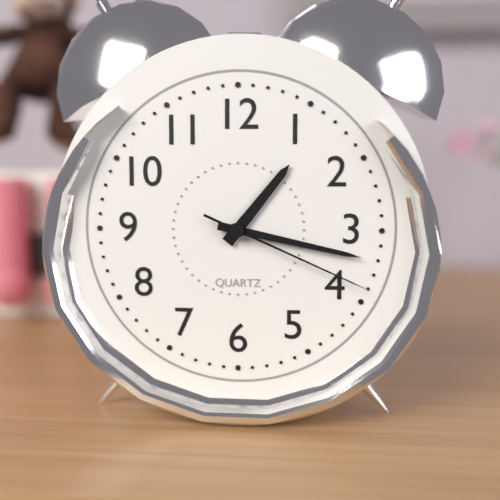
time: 1:17:19
